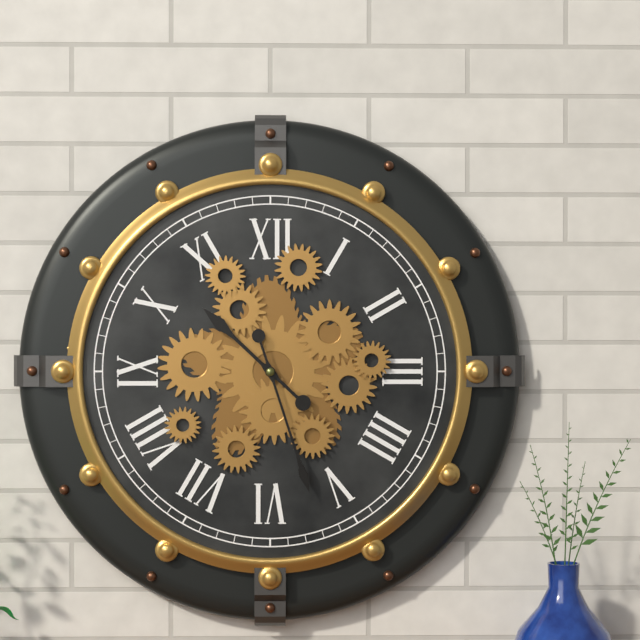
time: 10:27
